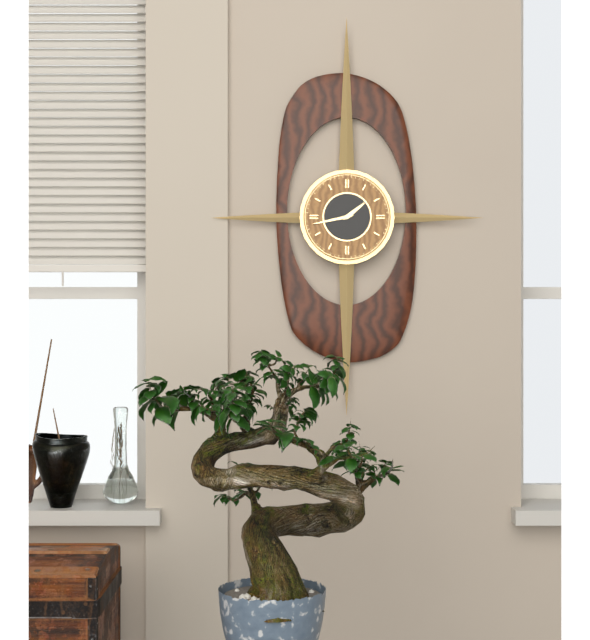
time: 1:43
